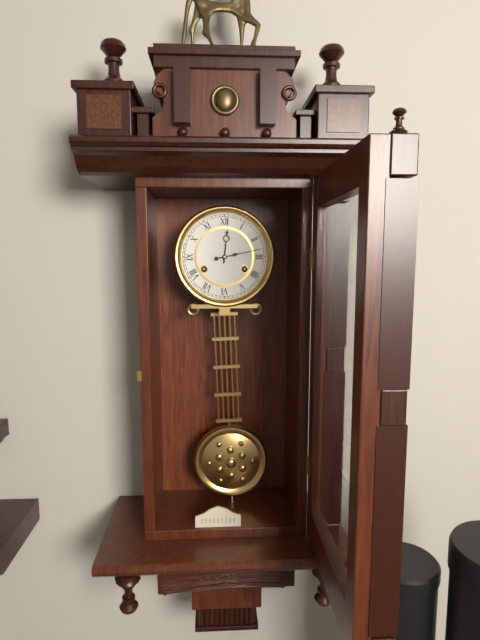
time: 12:13
